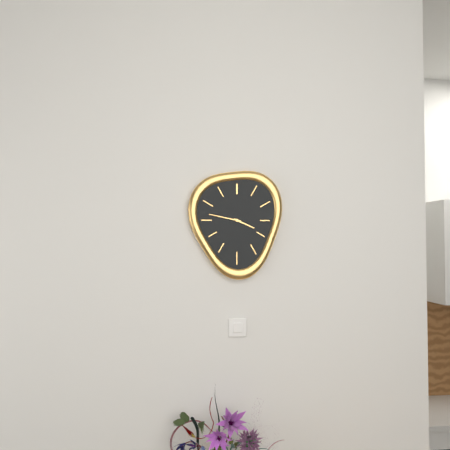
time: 3:47
